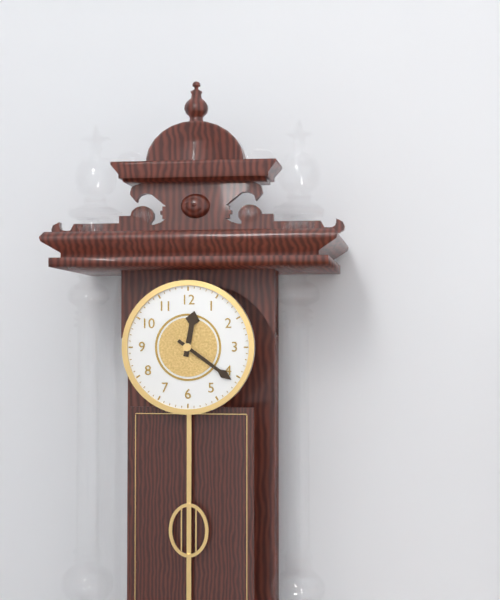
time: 12:21
